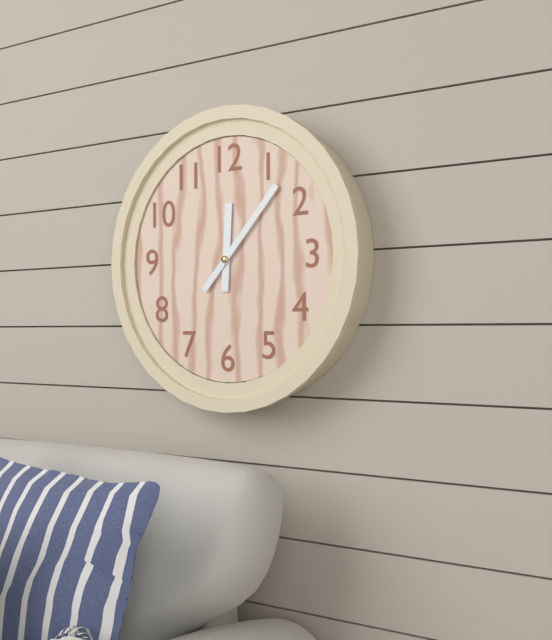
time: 12:07
